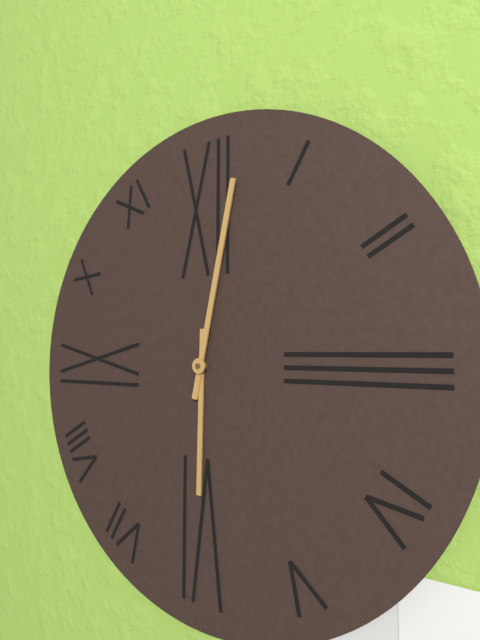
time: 6:02
